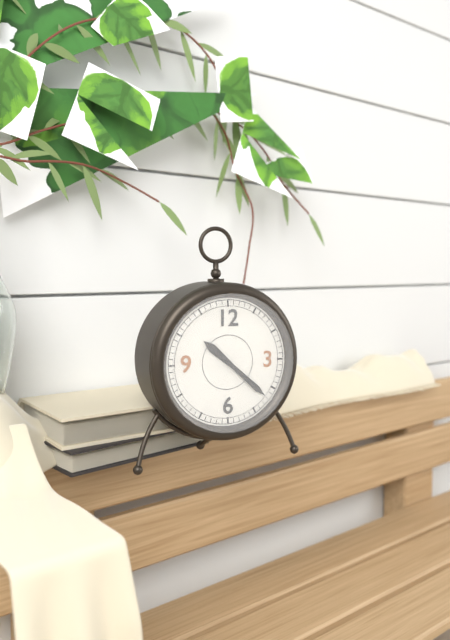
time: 10:22
